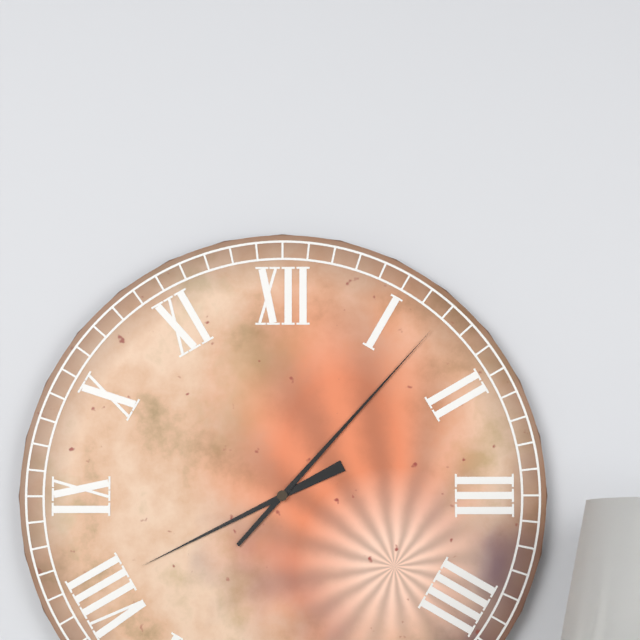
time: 8:07
